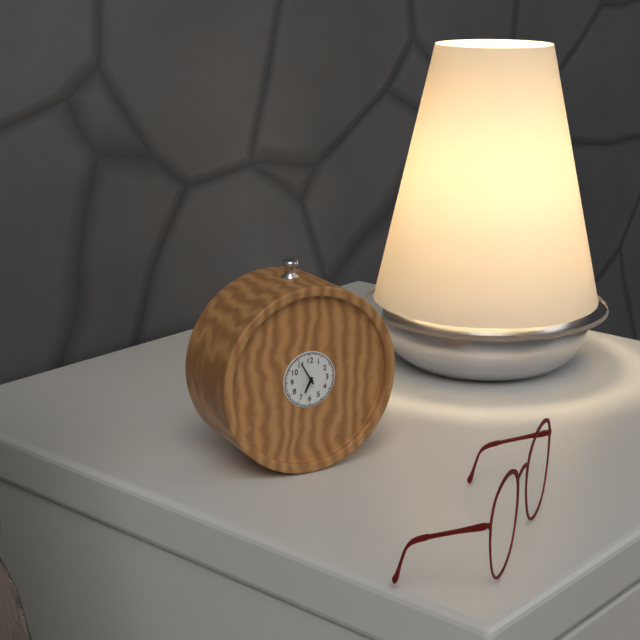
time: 6:55
